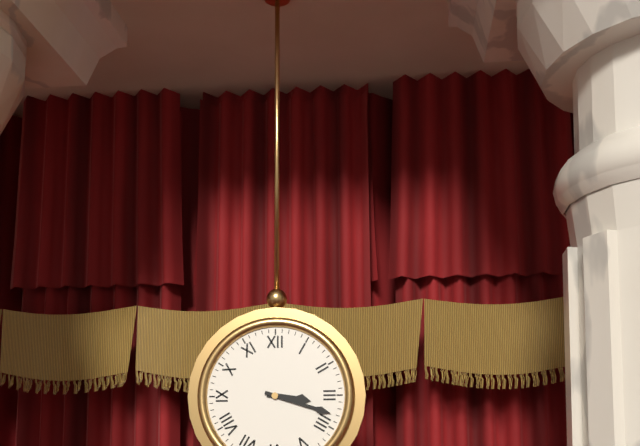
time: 3:18
